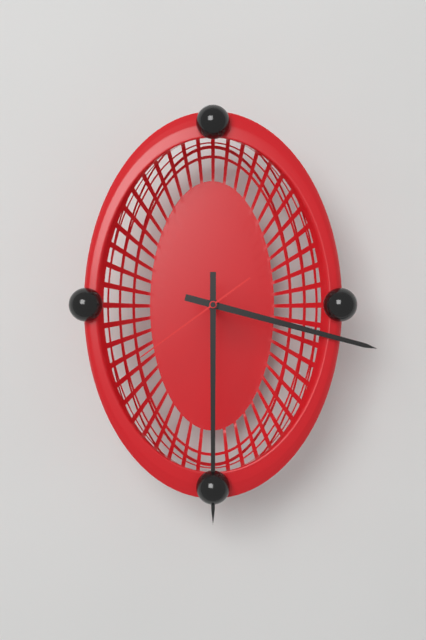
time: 3:30:39
